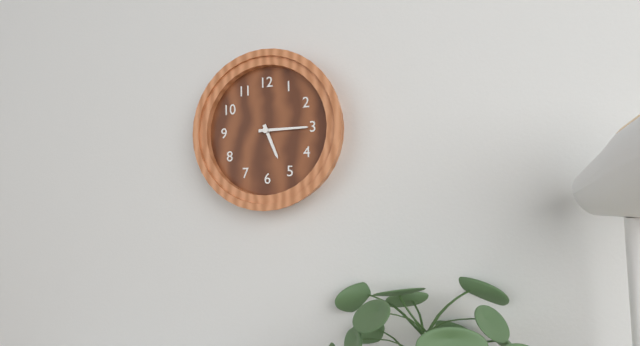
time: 5:15
